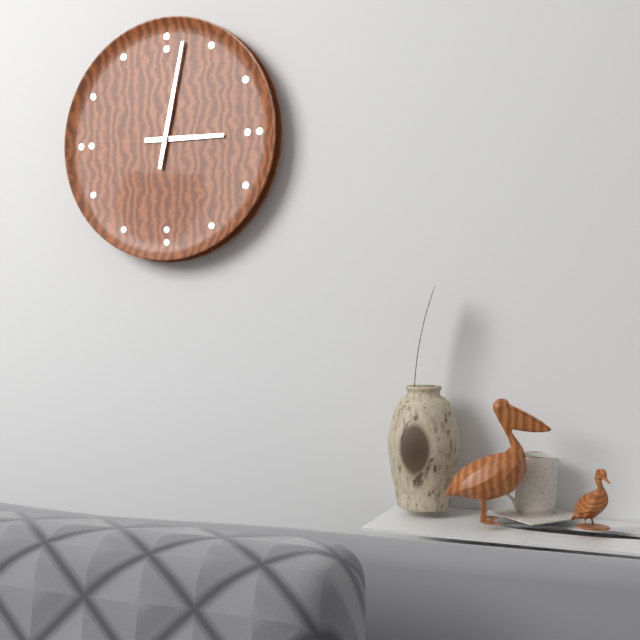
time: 3:02
